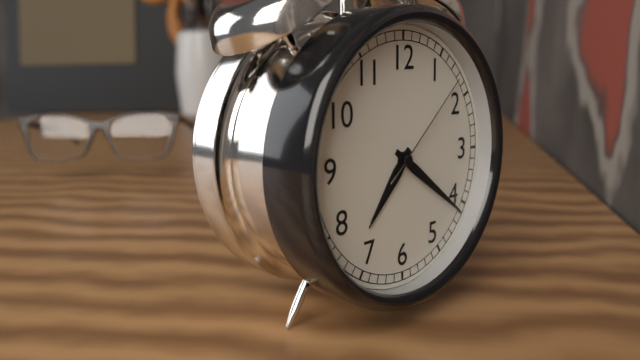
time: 7:21:08
